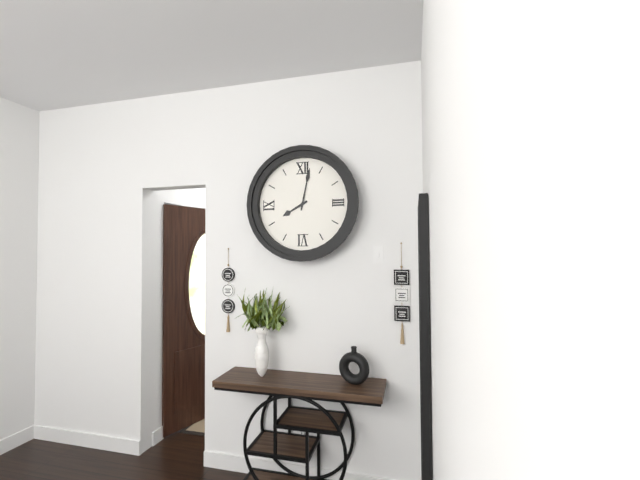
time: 8:02
